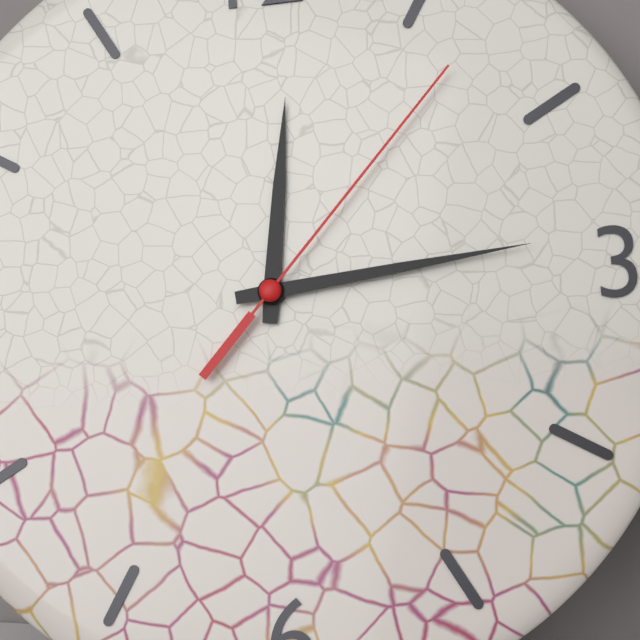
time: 12:14:07
